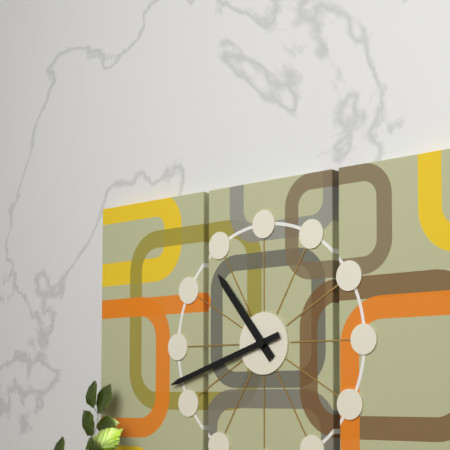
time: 10:42
